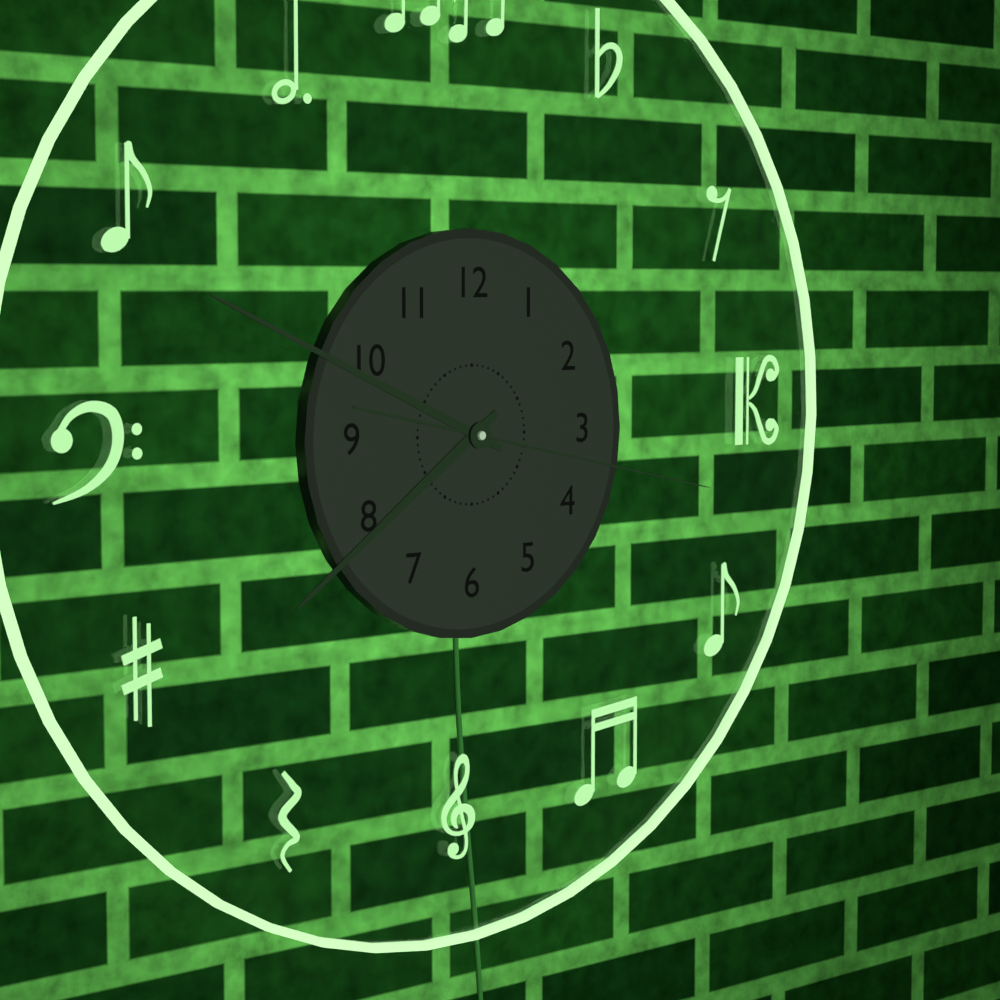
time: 7:49:17
